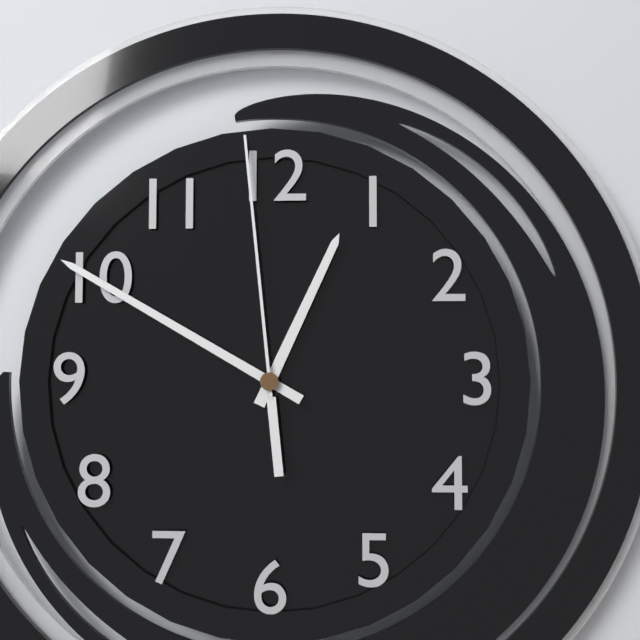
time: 12:50:59
